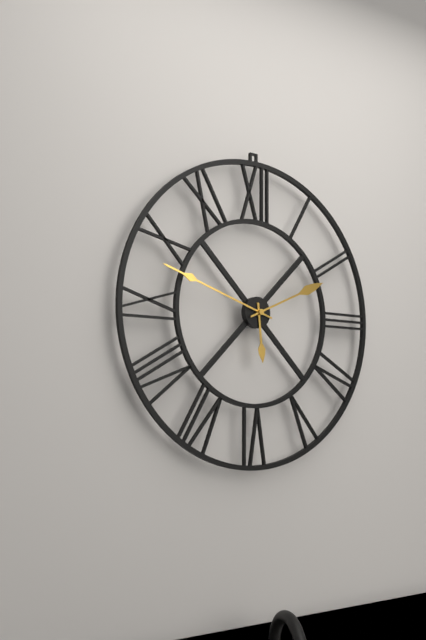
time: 5:48:11
